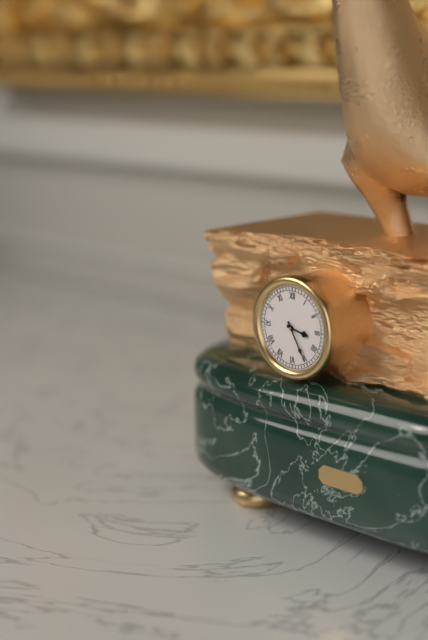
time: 3:25
